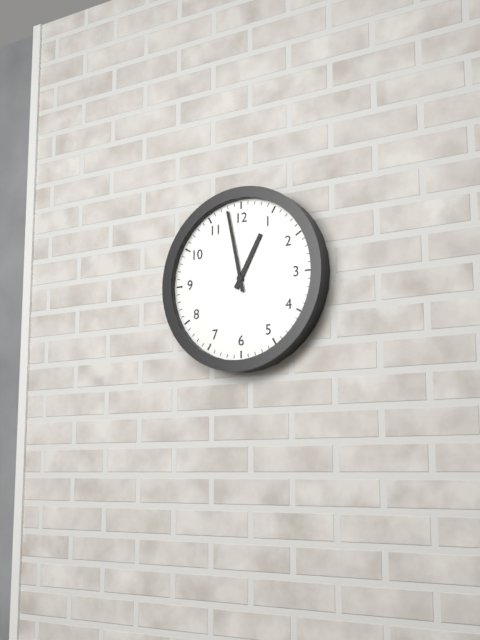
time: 12:58
